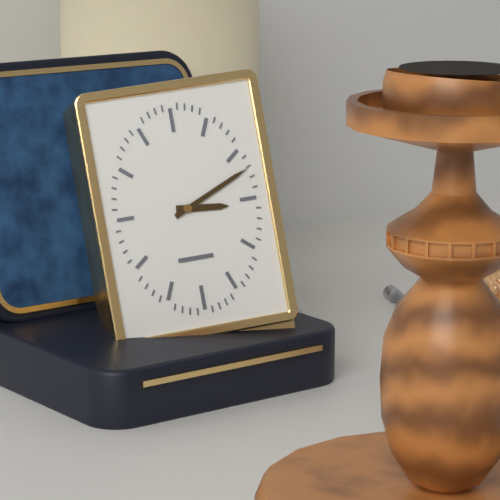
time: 3:11
